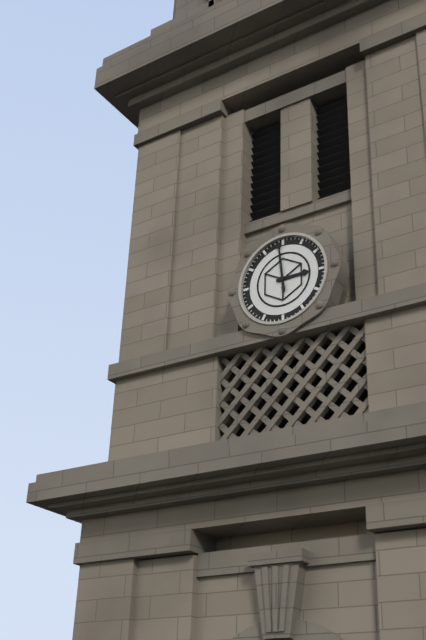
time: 2:59
